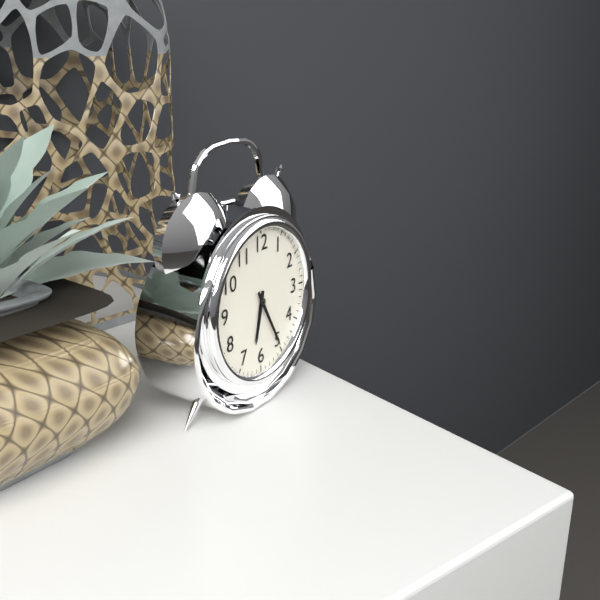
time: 6:25
